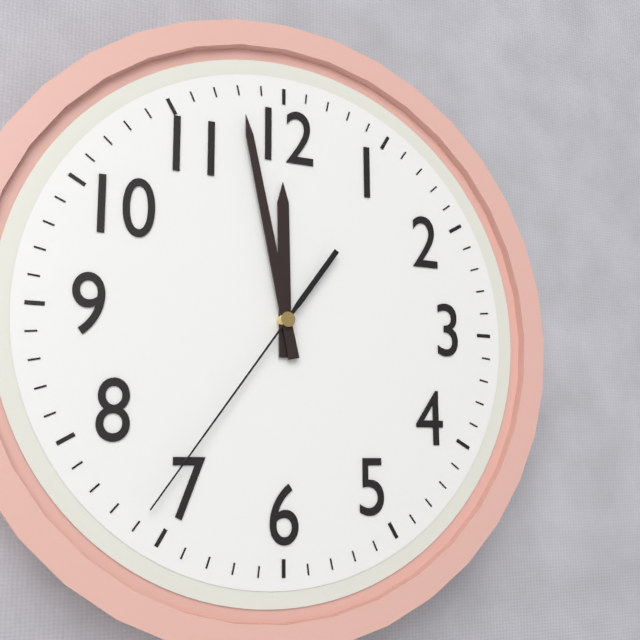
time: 11:58:36
